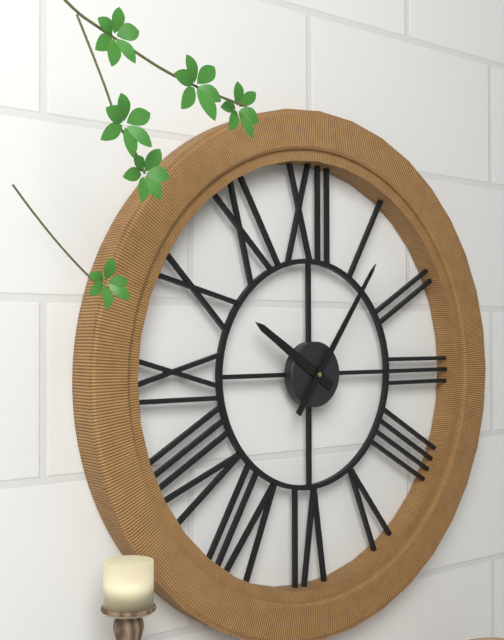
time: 10:06
